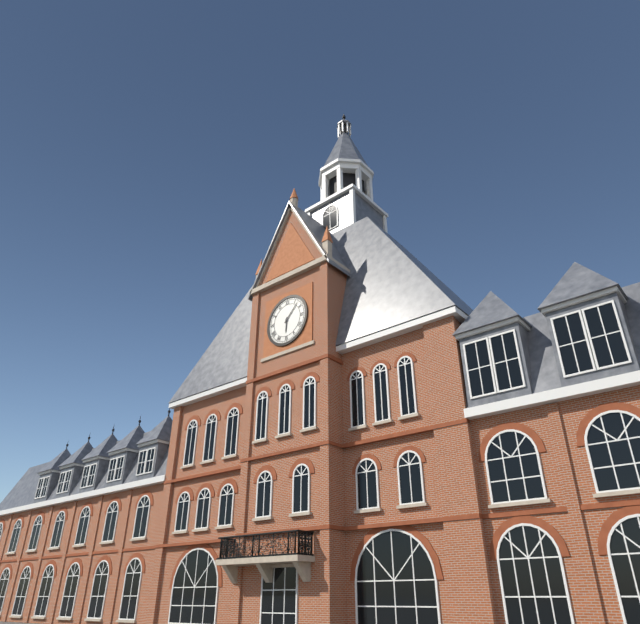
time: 6:07
